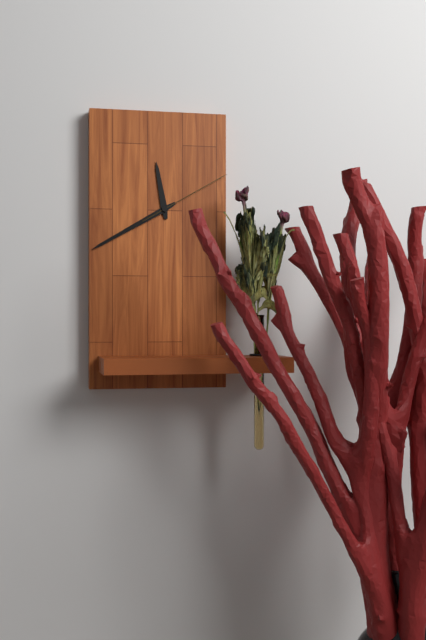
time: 11:40:10
